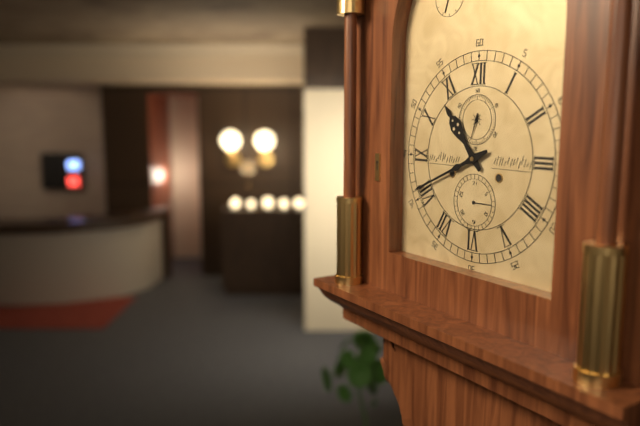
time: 10:41
